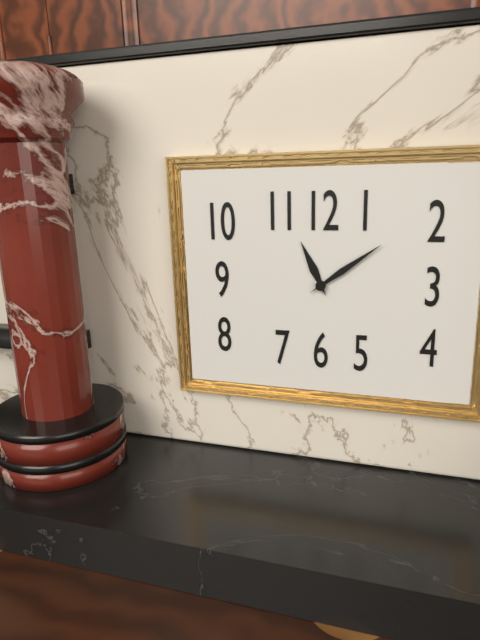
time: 11:09
